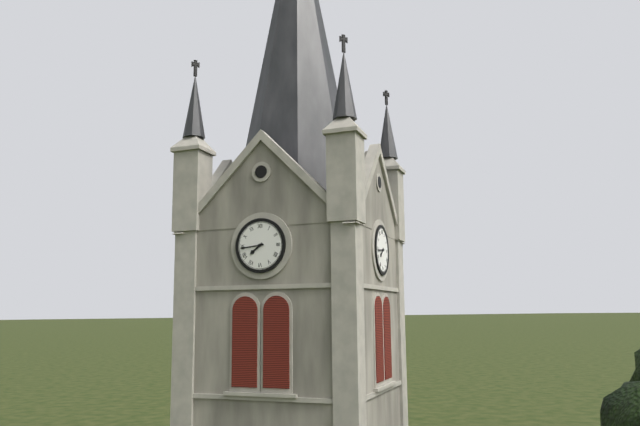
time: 7:44
